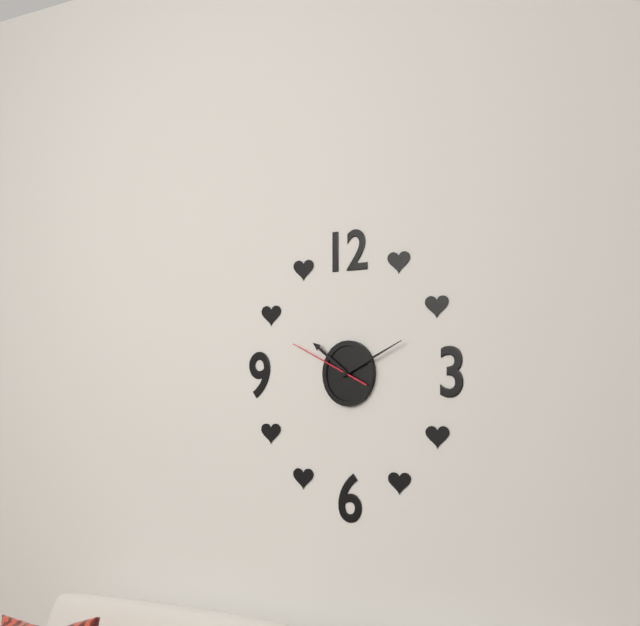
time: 10:11:49
